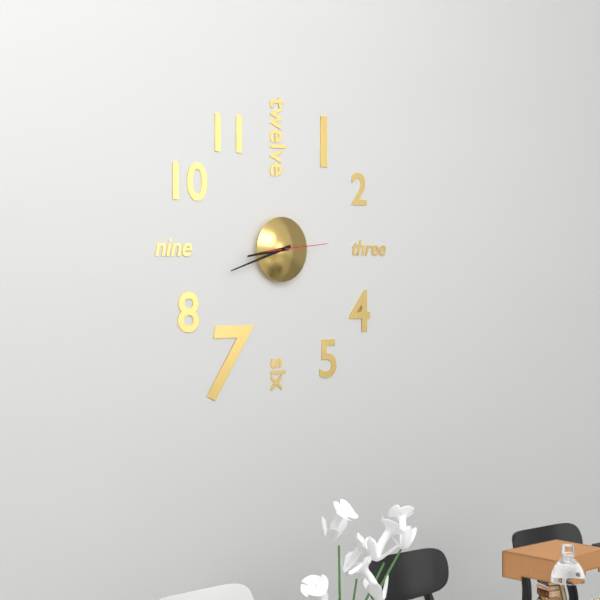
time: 8:42:14
